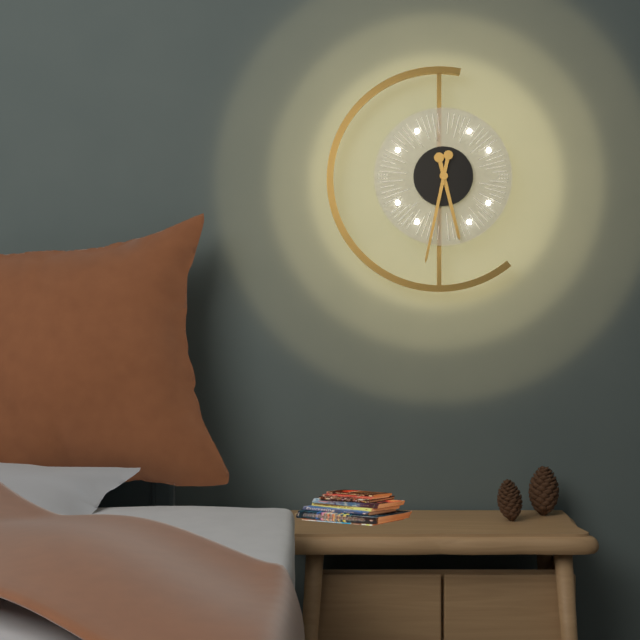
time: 5:32
